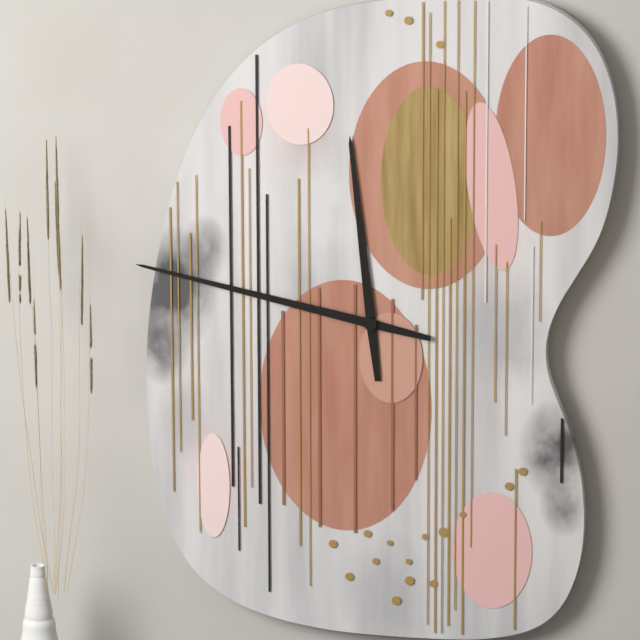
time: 11:47
